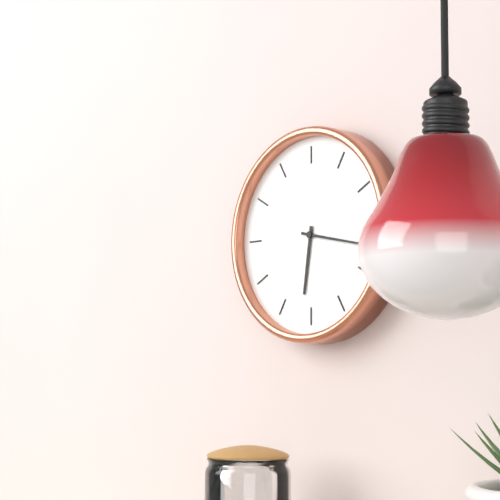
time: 6:17
